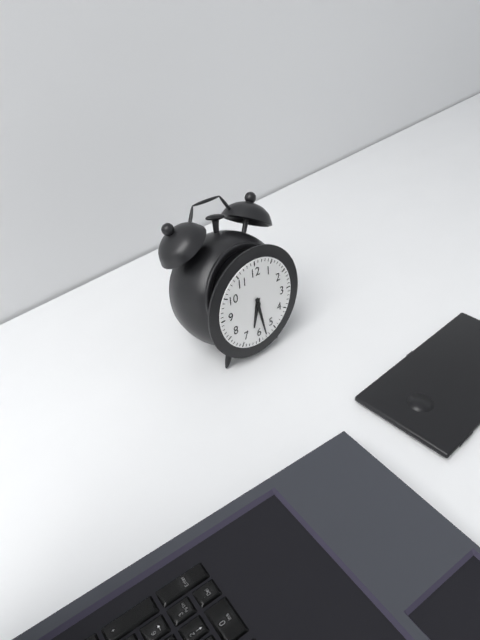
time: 6:28
